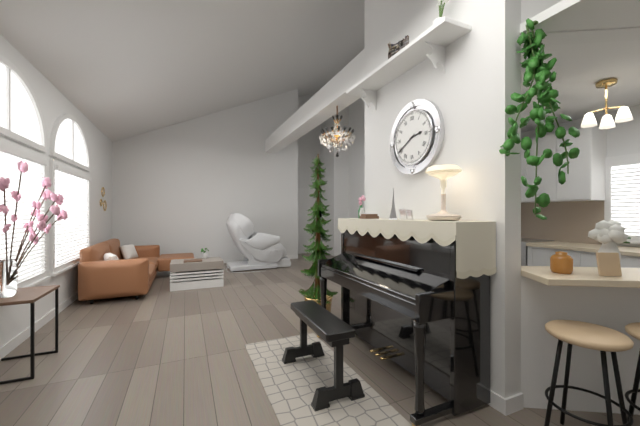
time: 2:40
